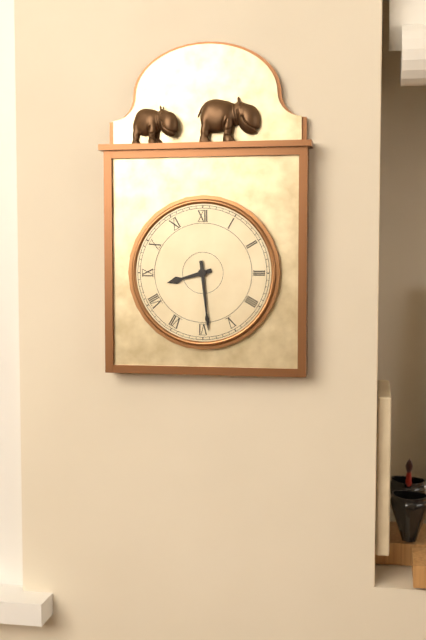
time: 8:29
